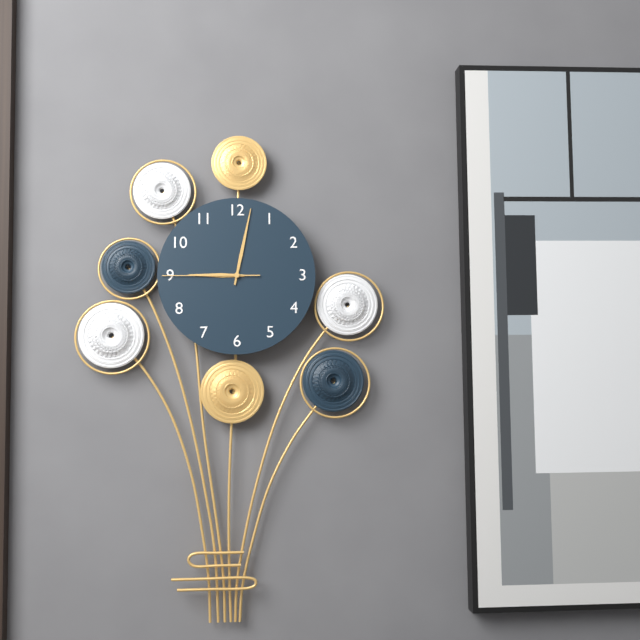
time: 9:02:45
